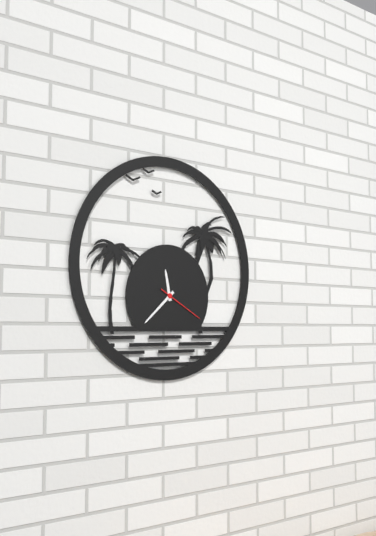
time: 11:38
